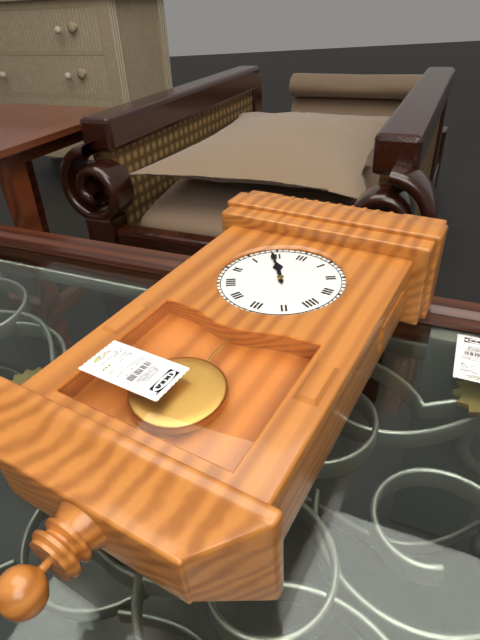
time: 10:54
